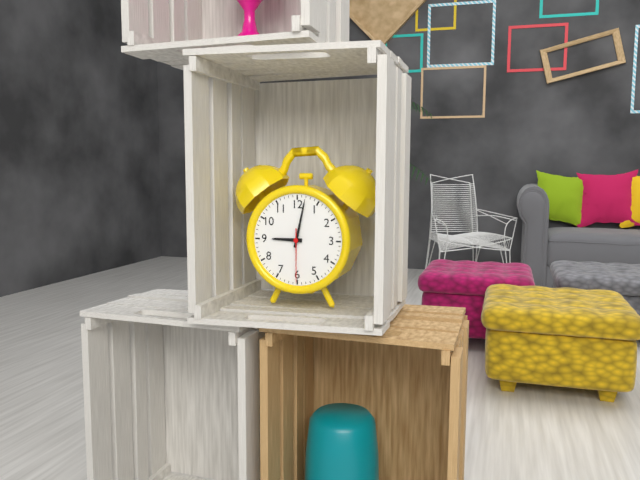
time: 9:02:30
